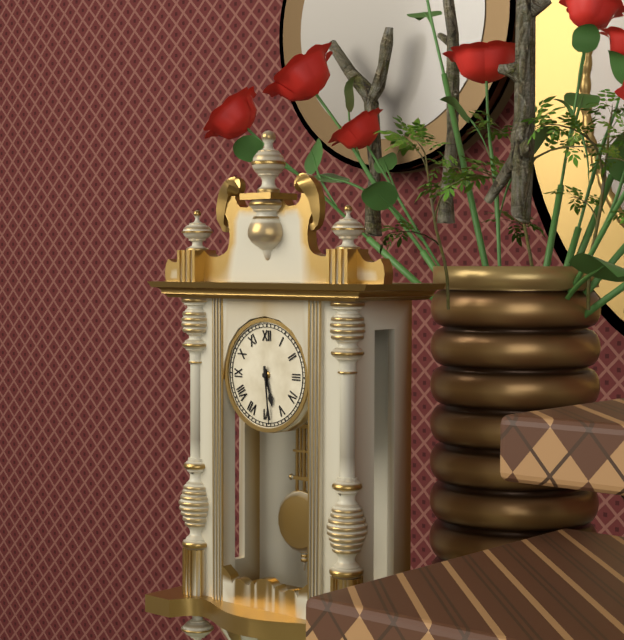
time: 5:29
